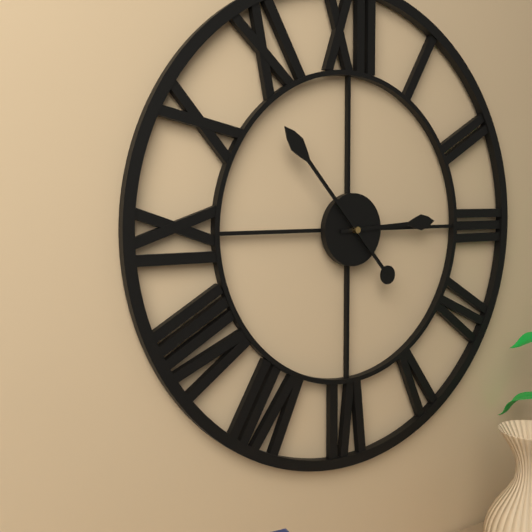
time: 2:53
